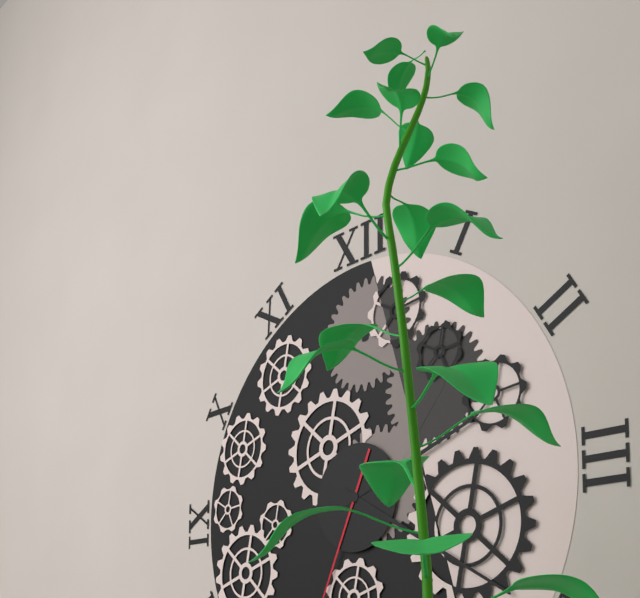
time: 2:20
